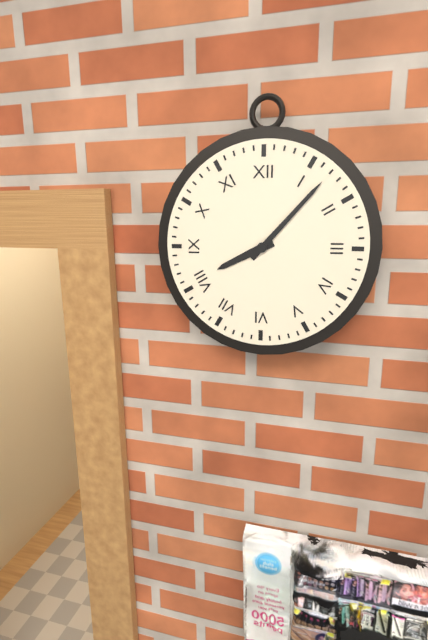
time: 8:07
